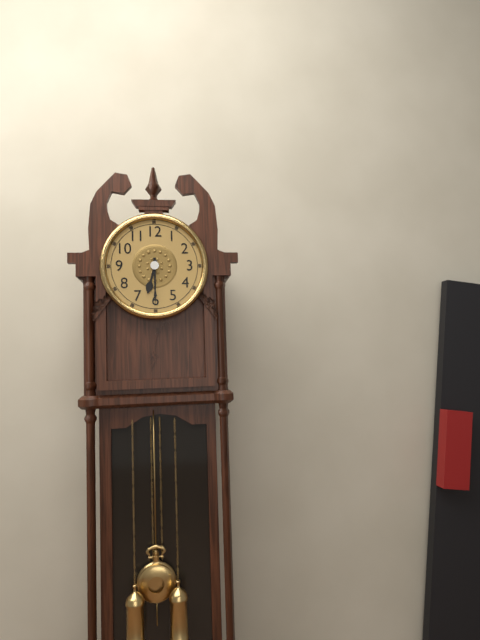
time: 6:30
